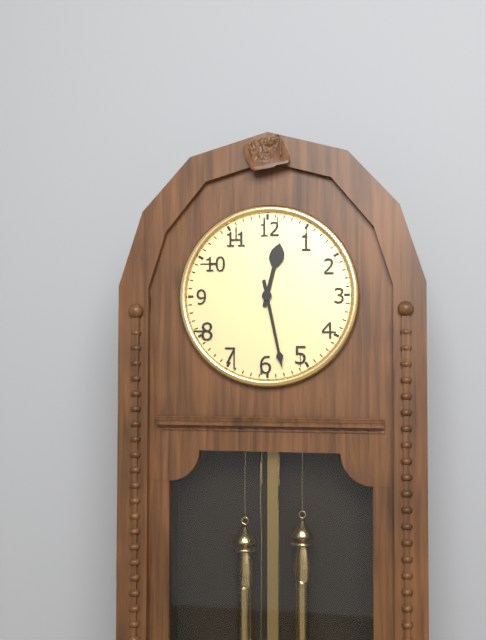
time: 12:28
